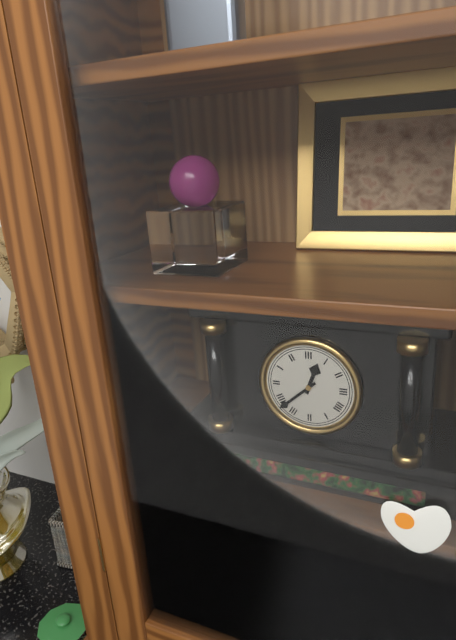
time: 12:38
